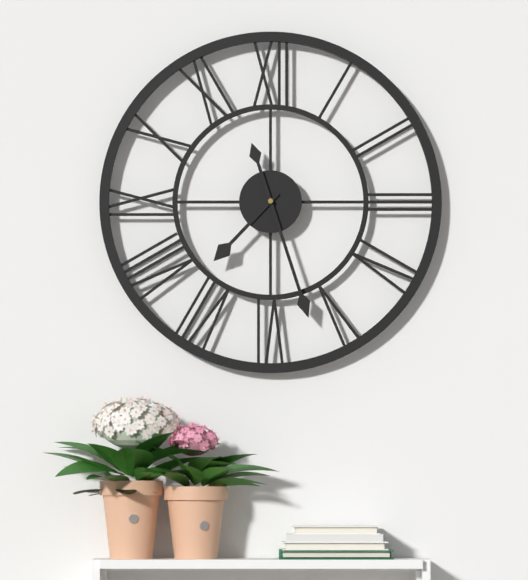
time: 7:27
